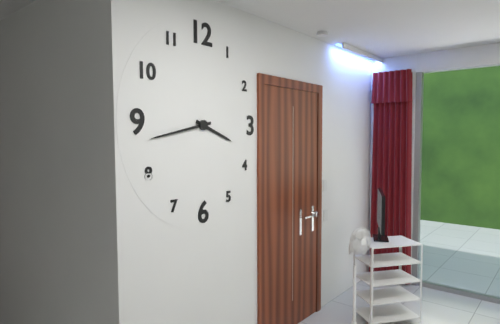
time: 3:43
